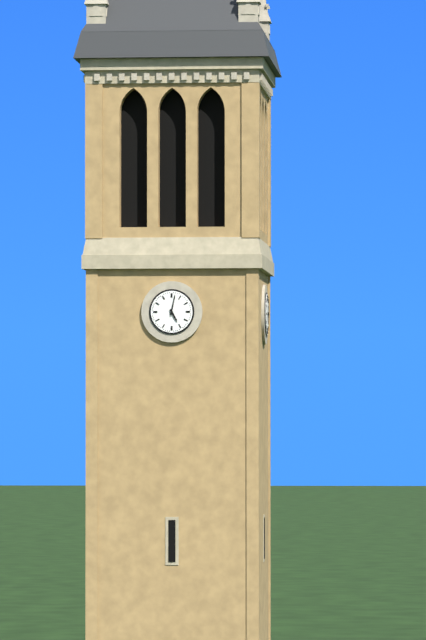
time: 5:02
